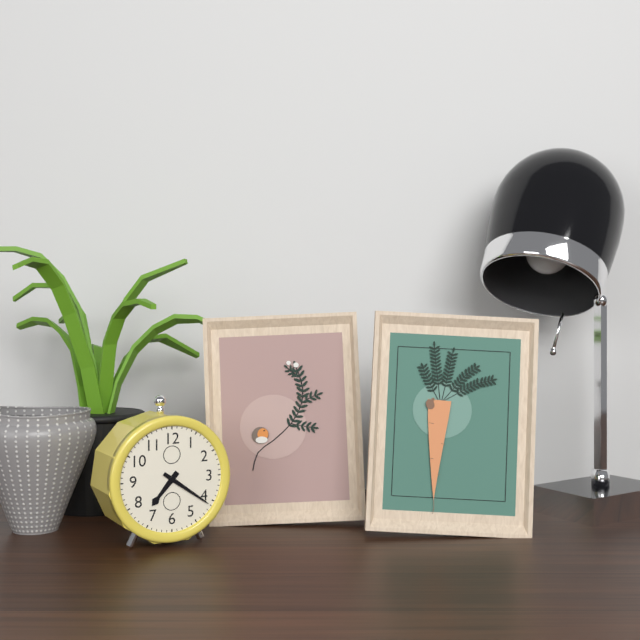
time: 7:21
